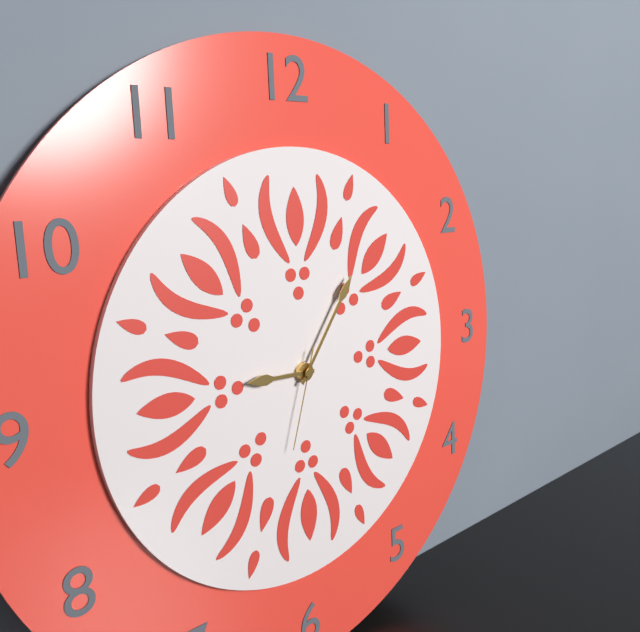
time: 9:06:33
